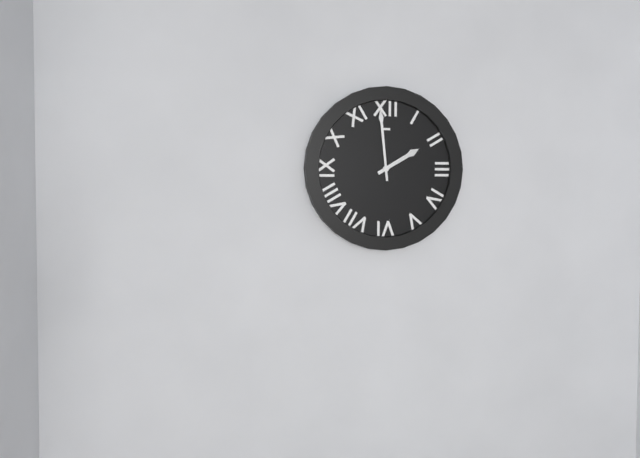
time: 1:59
